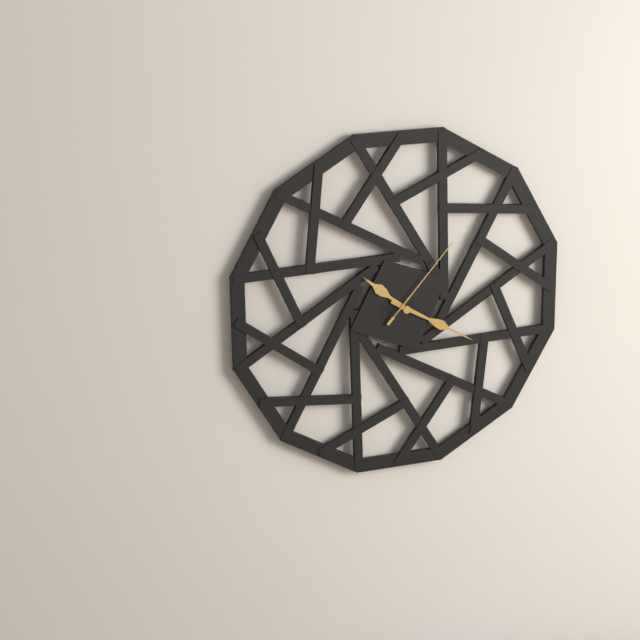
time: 10:20:07
